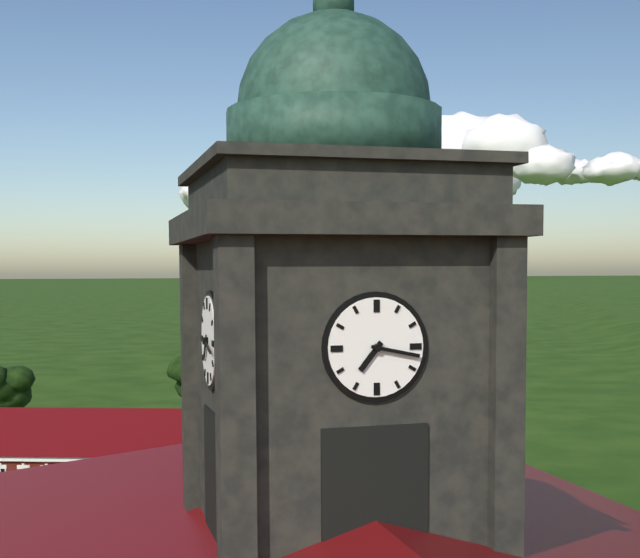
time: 7:17
